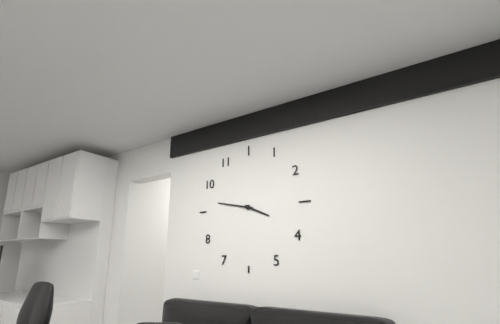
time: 3:47
